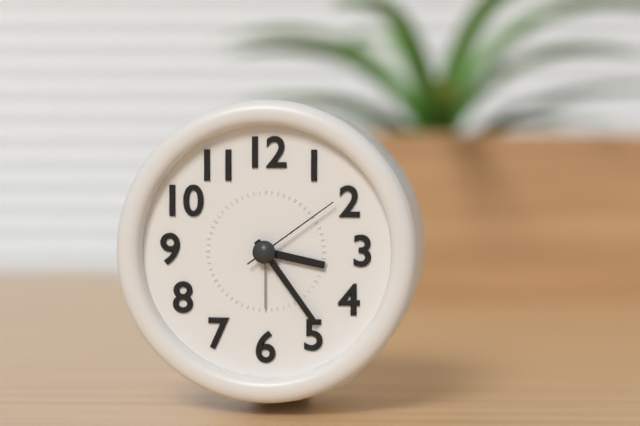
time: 3:24:09
